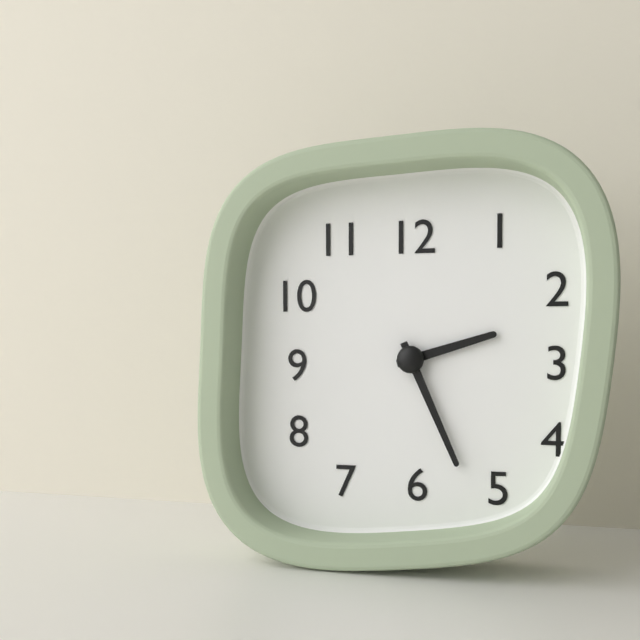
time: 2:26
